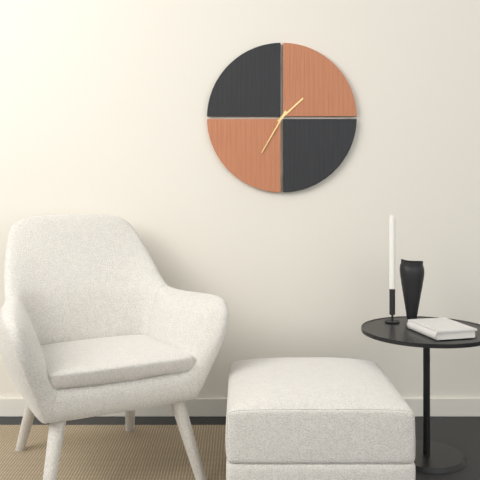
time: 1:35
